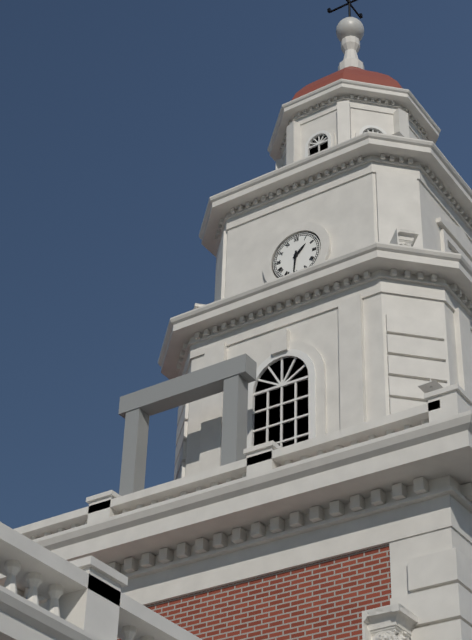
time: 1:31
